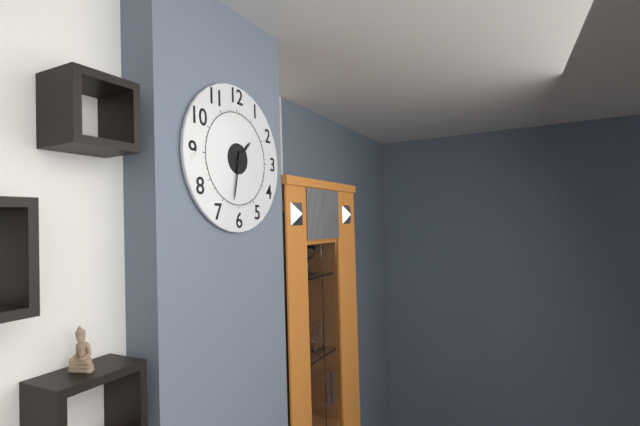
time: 1:32
